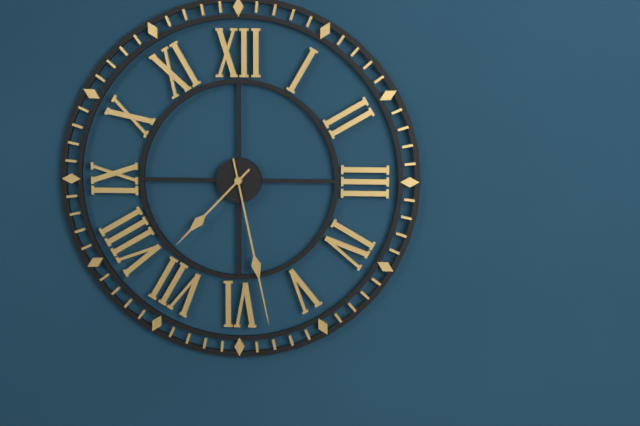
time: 7:28
